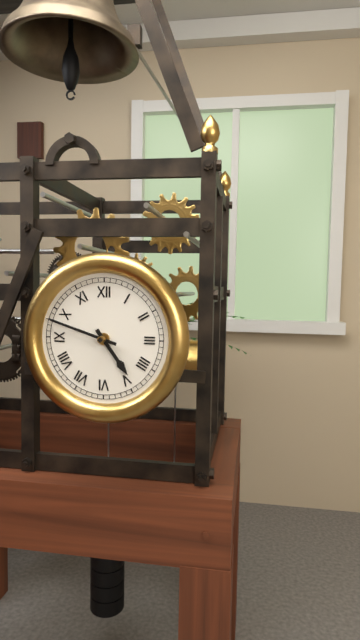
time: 4:48
